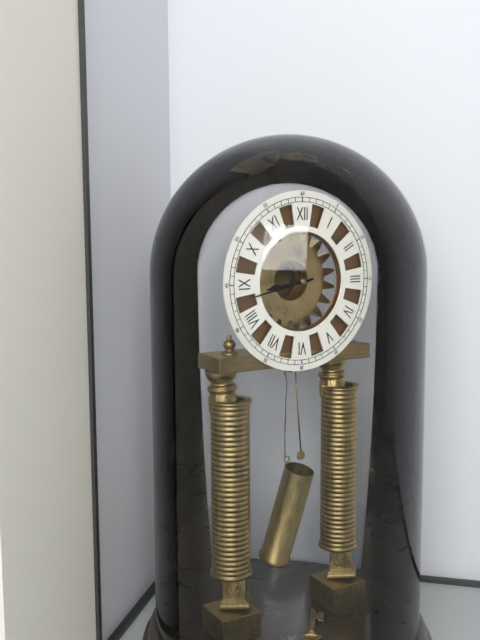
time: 8:43
